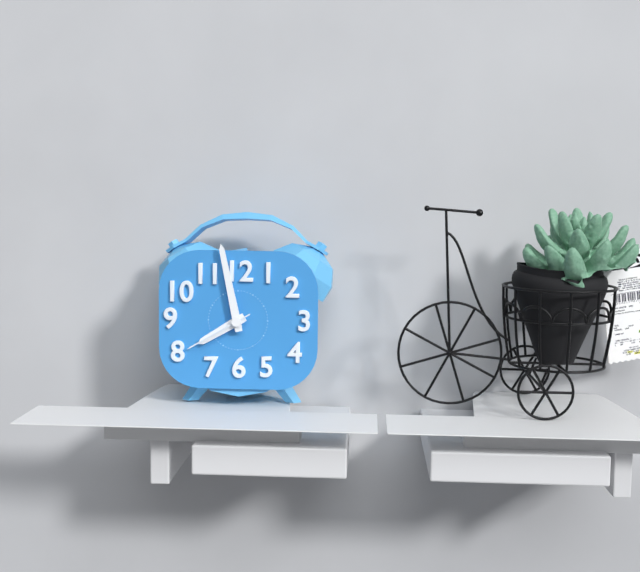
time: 7:58:40
